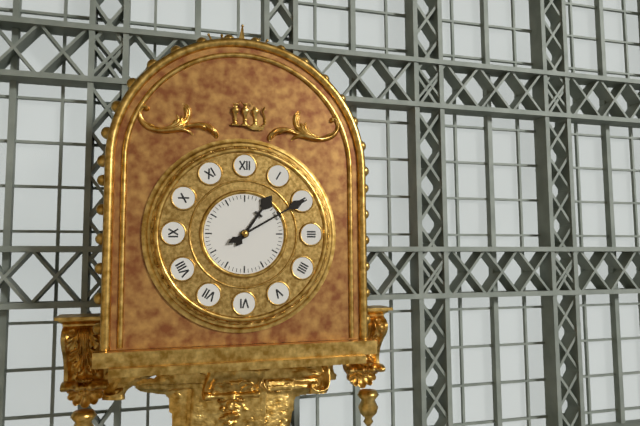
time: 1:10
